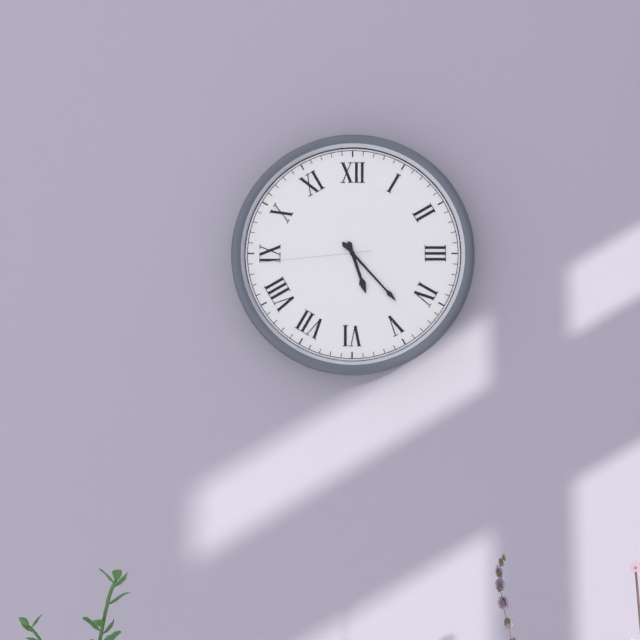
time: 5:23:44
